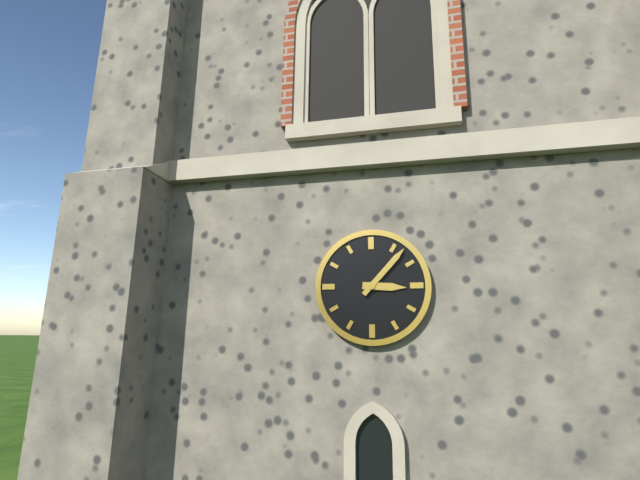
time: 3:07
